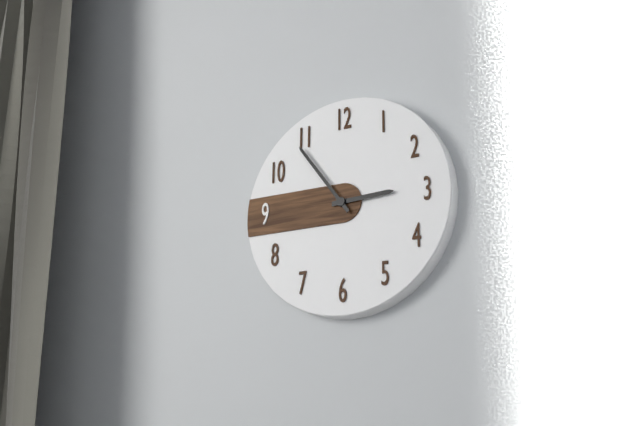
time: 2:54
